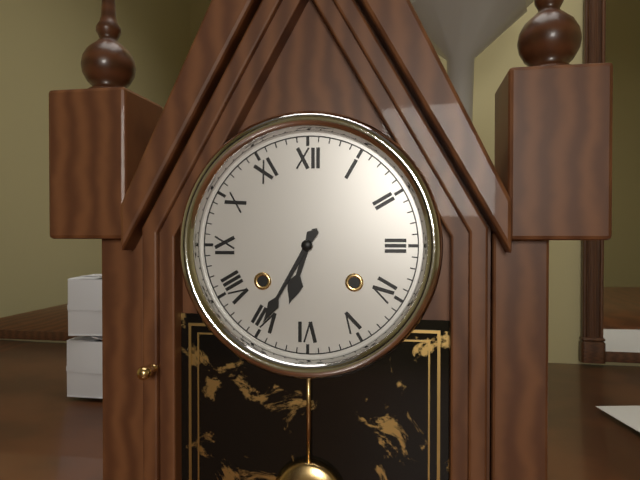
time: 6:35
